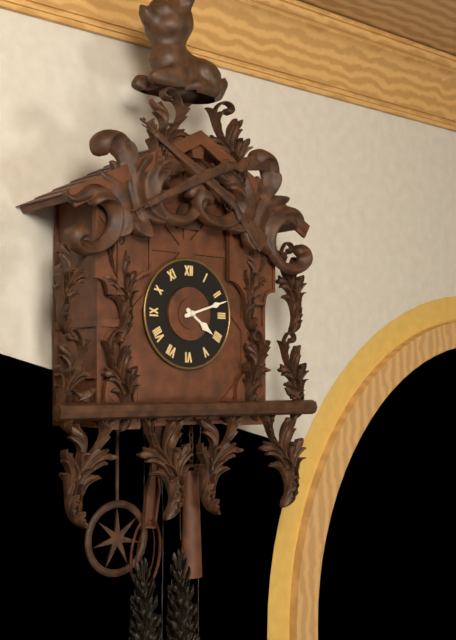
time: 4:12
